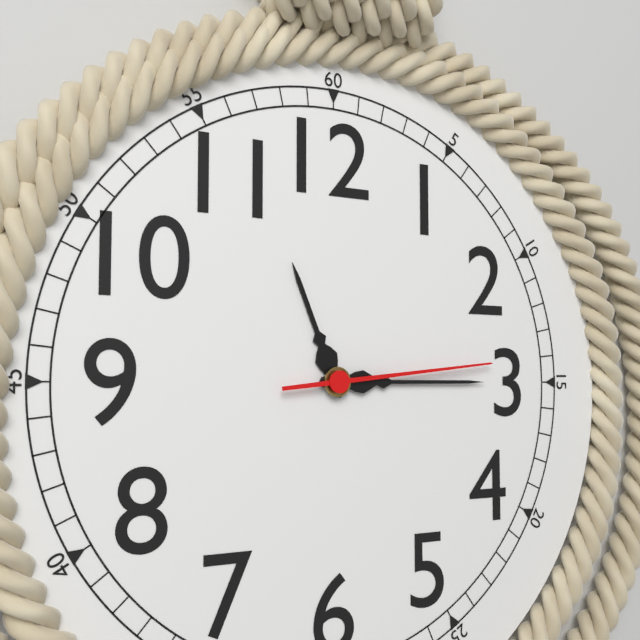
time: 11:15:14
